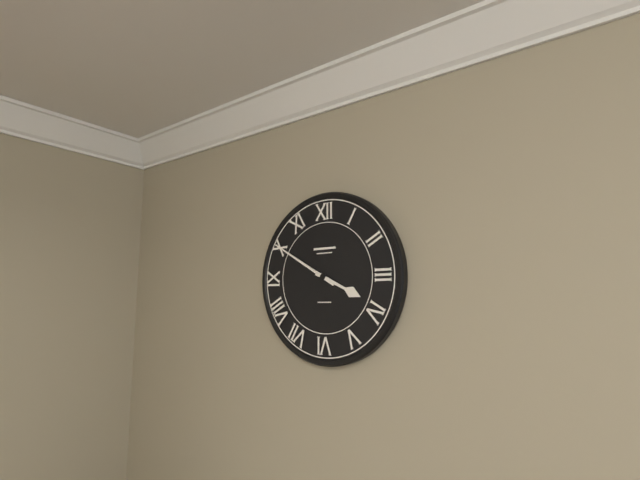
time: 3:50
